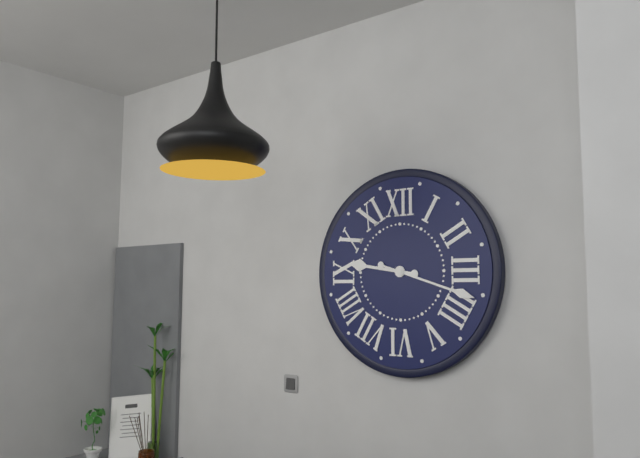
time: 9:18
